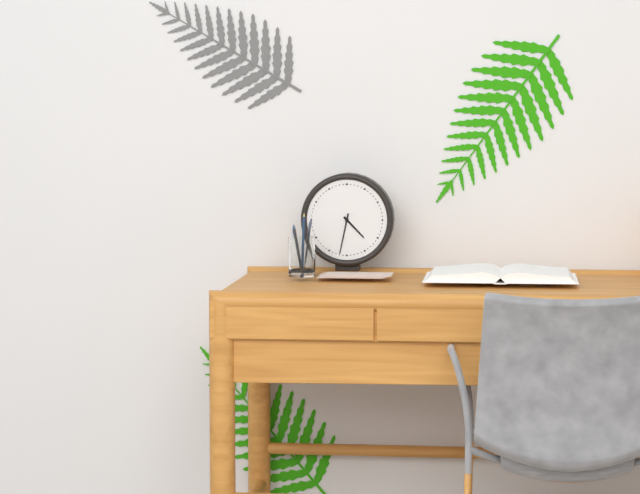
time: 4:32
